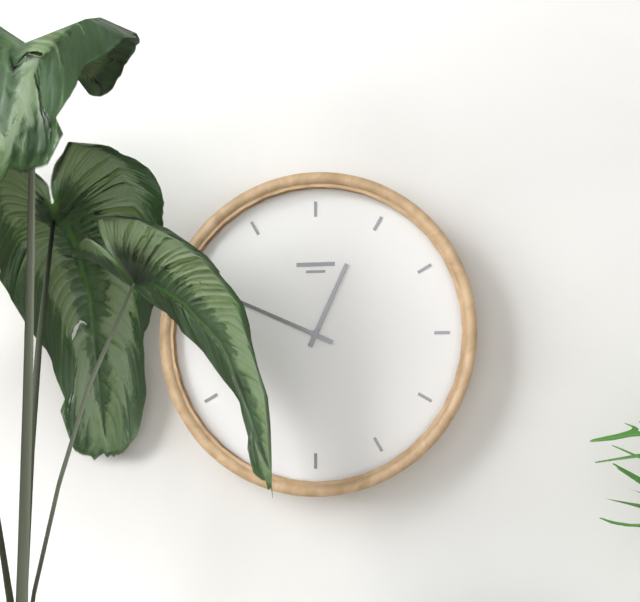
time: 12:49
